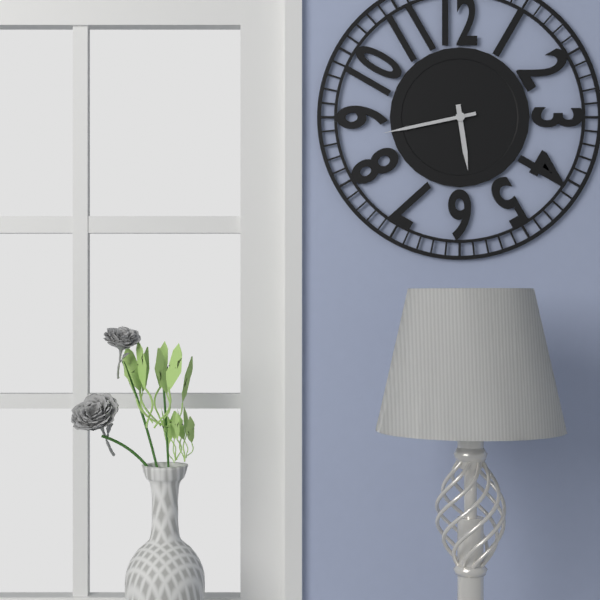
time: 5:43
